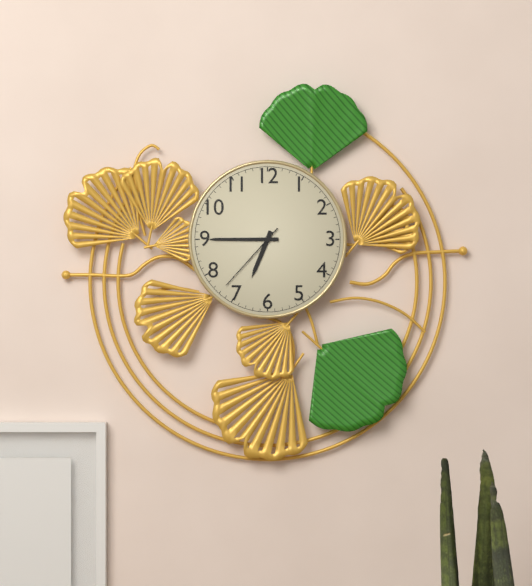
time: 6:45:37
